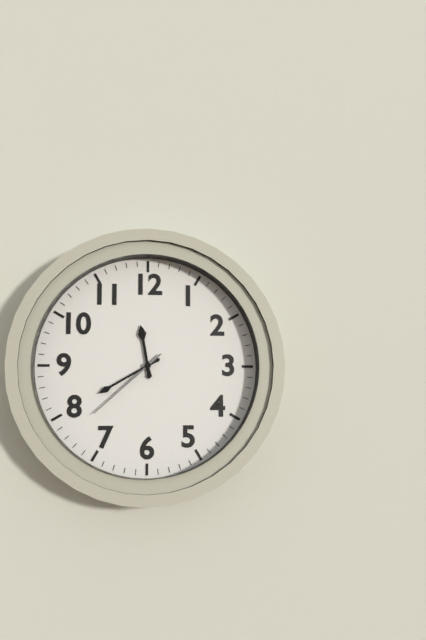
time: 11:40:38
